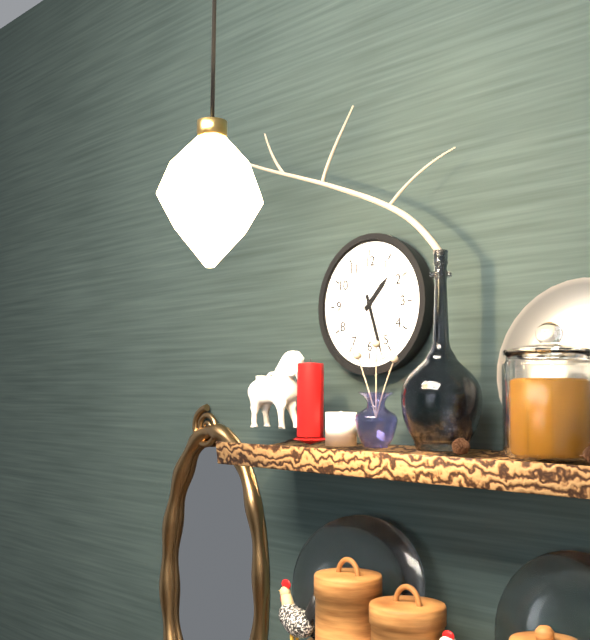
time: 1:27
